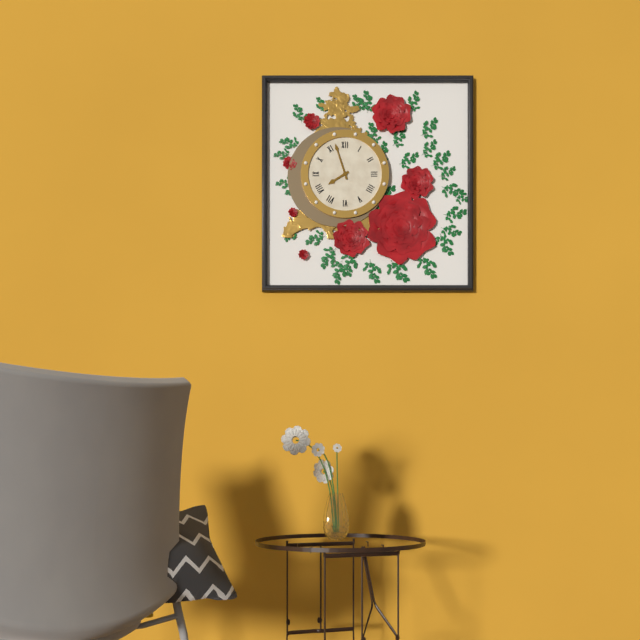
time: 7:57
